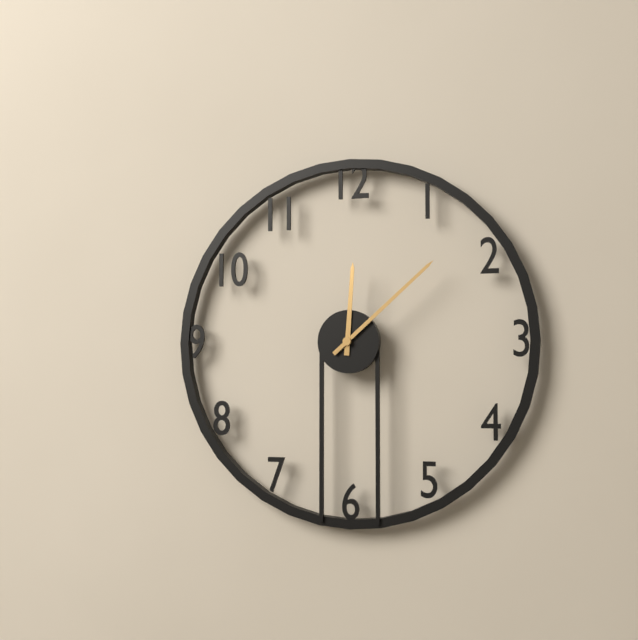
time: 12:08
